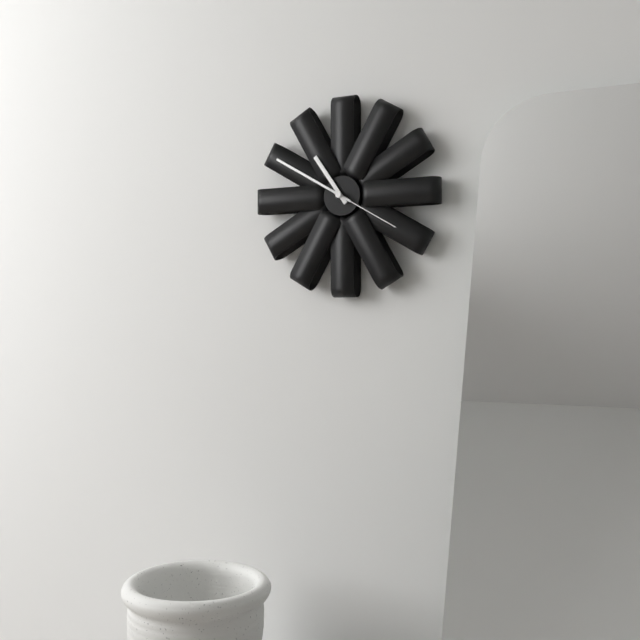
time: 10:50:20
